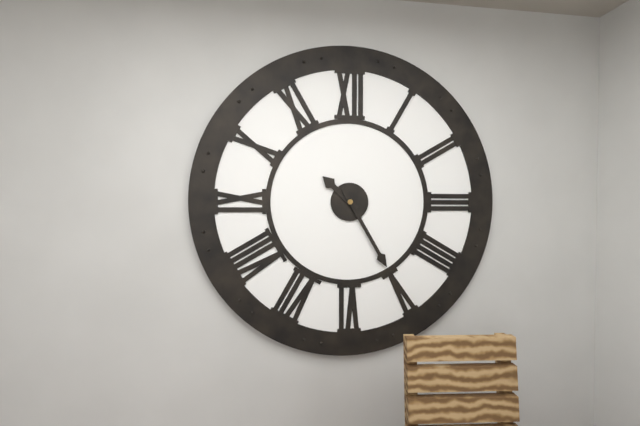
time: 10:25
